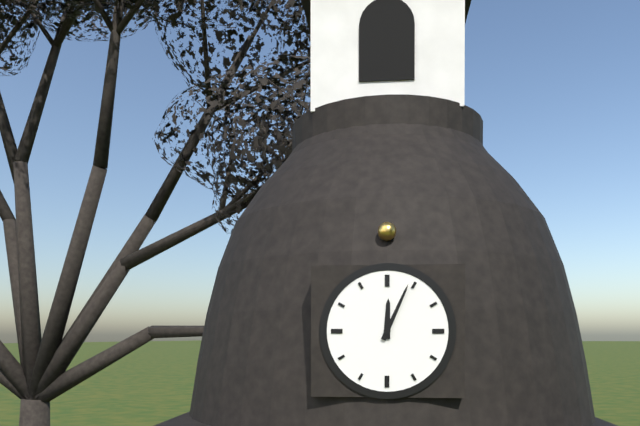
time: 12:04
